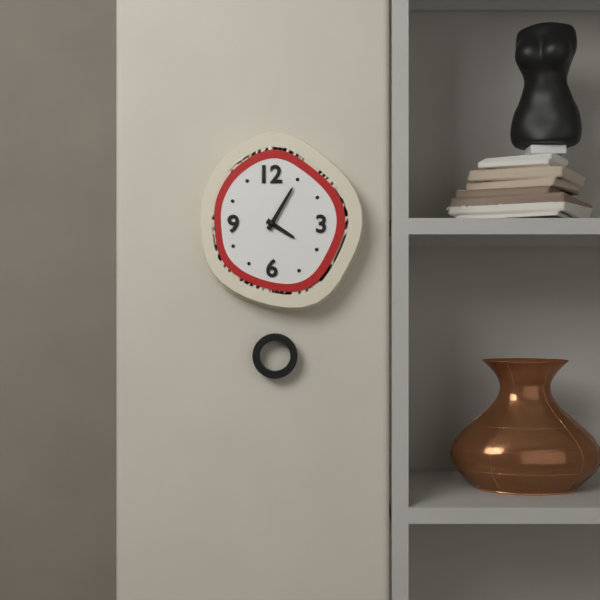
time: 4:05
